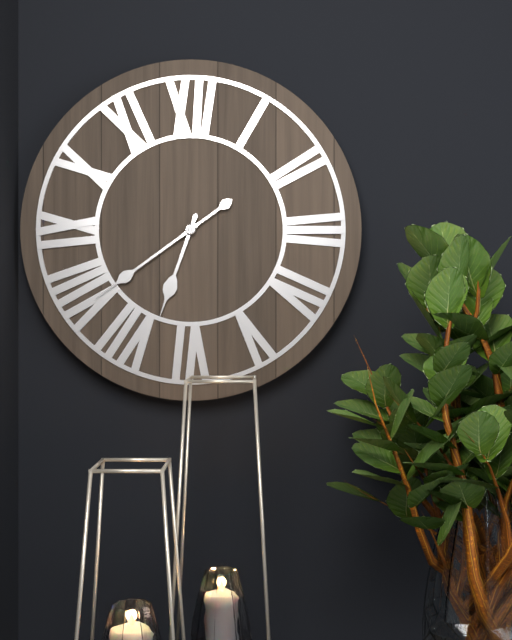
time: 6:39
